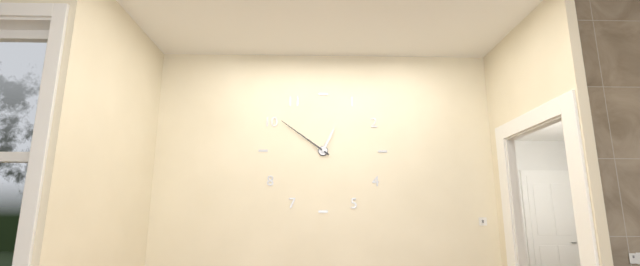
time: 12:51
